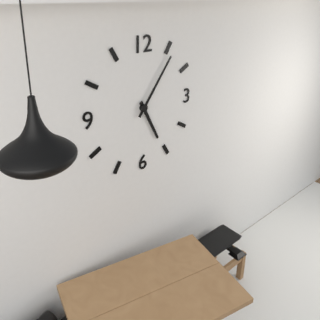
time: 5:06
